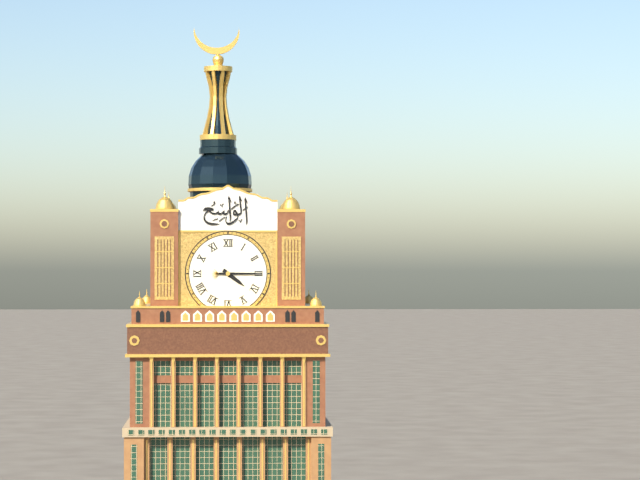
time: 4:15
